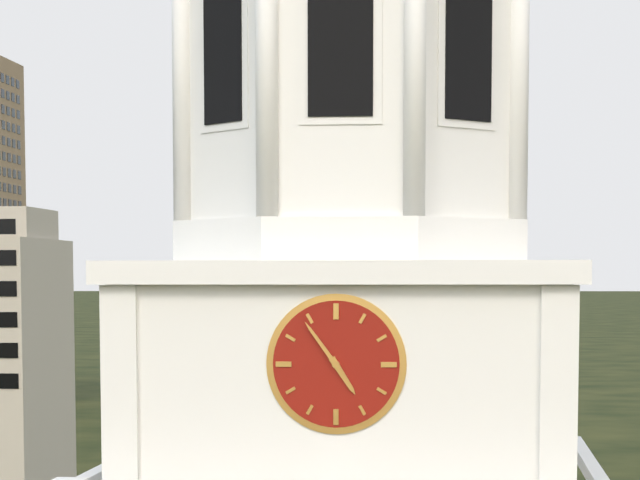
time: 4:54
